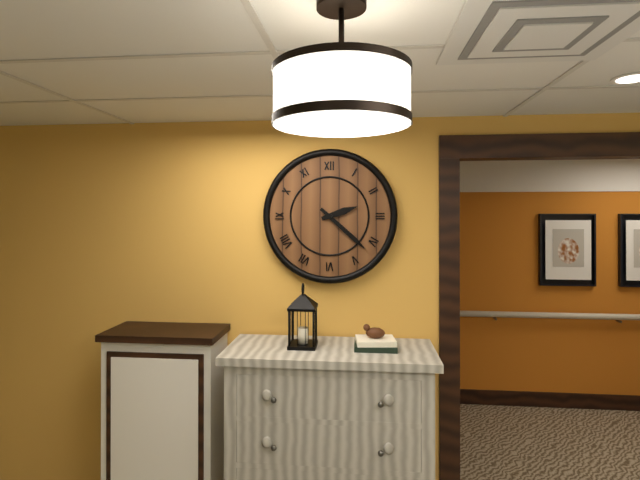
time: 2:22
